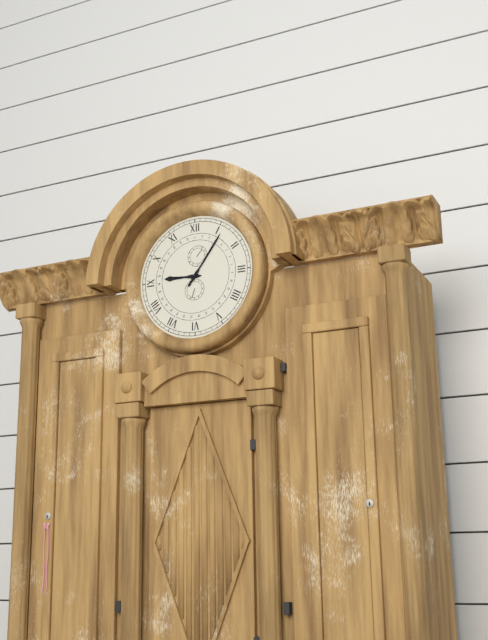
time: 9:06
